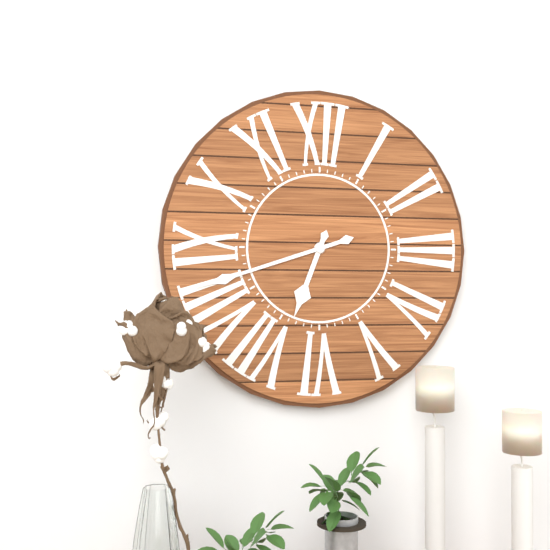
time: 6:42
